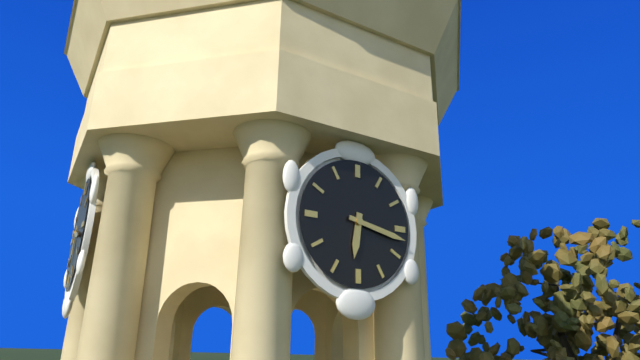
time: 6:17
